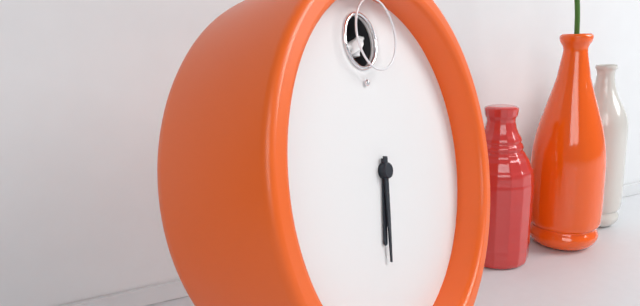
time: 6:32
